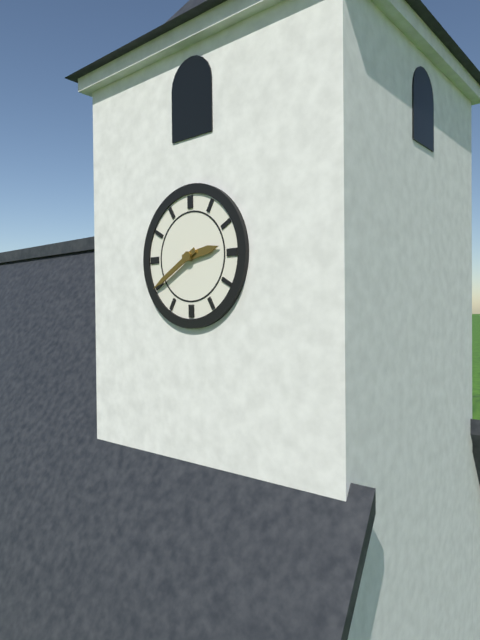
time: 2:40
